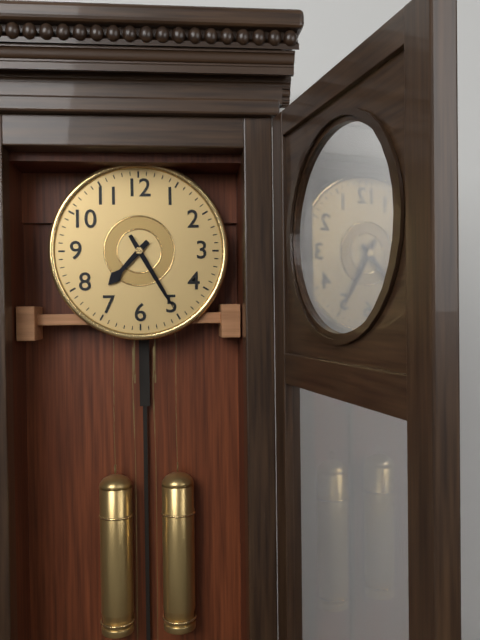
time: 7:25
